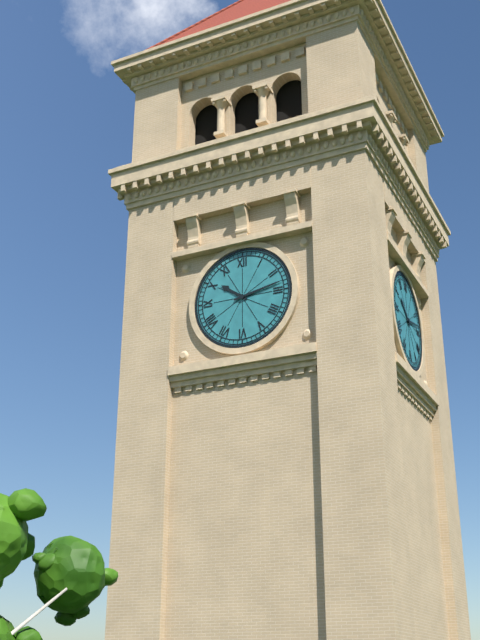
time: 10:13
